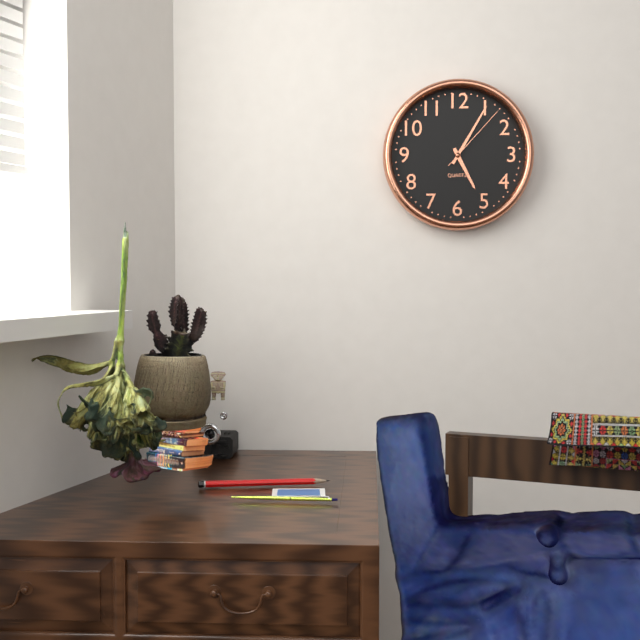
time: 5:05:07
